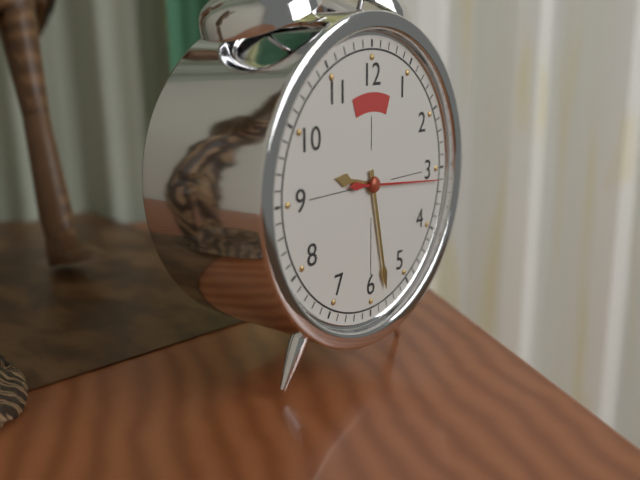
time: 9:28:16
